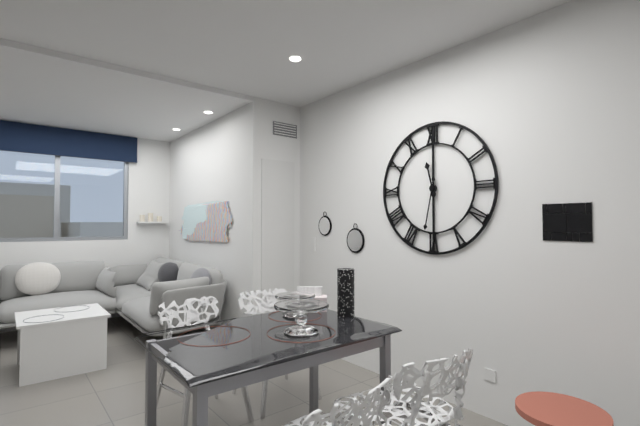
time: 11:32
